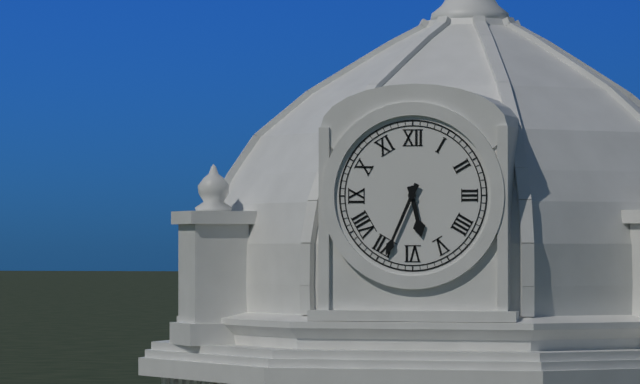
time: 5:34
